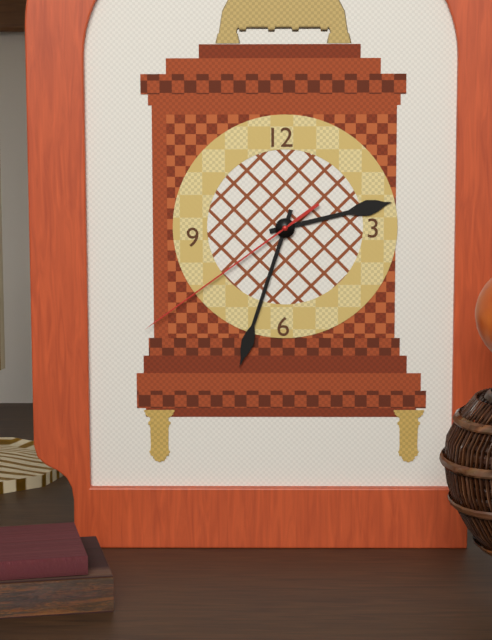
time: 2:33:39
